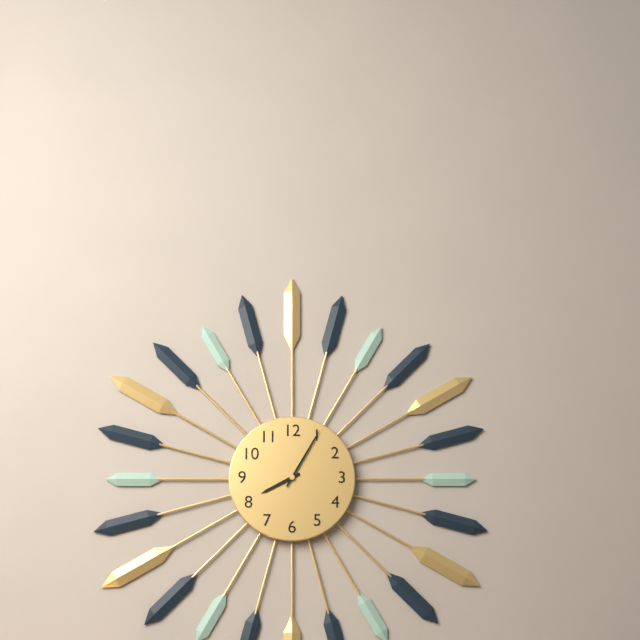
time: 8:05
